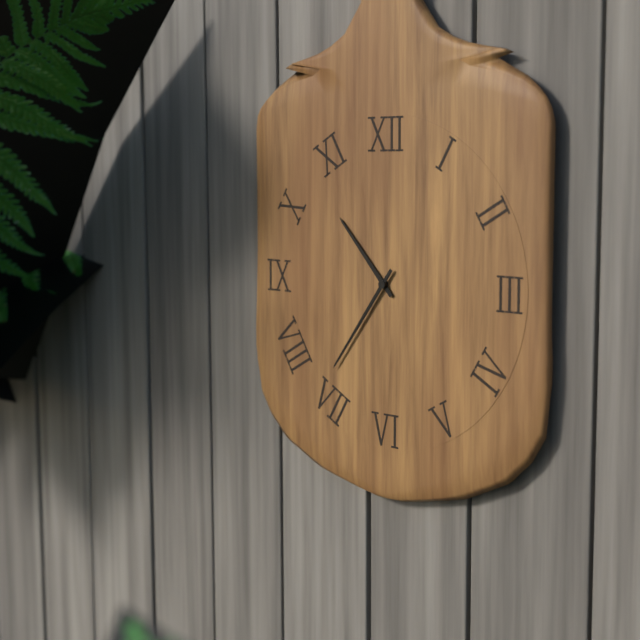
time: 10:36
